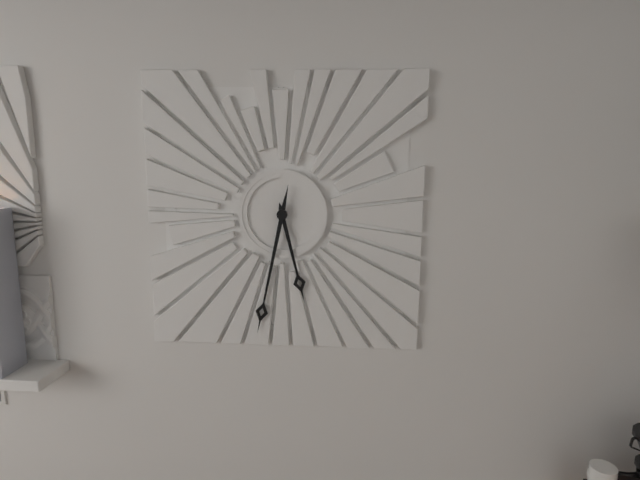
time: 5:32
